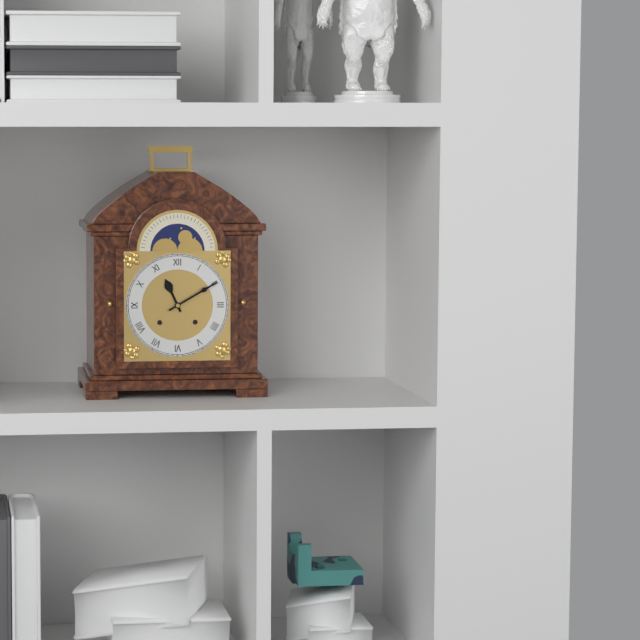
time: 11:10
